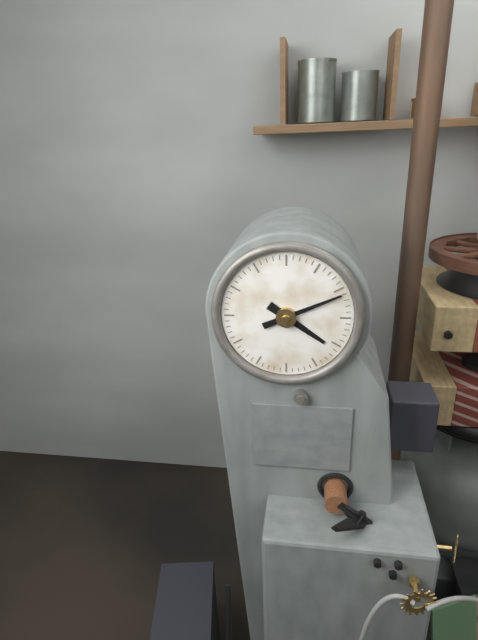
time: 4:11
